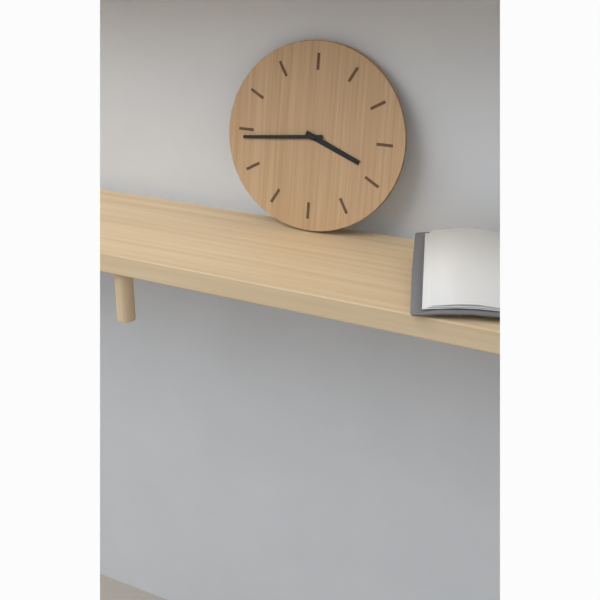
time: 3:44
